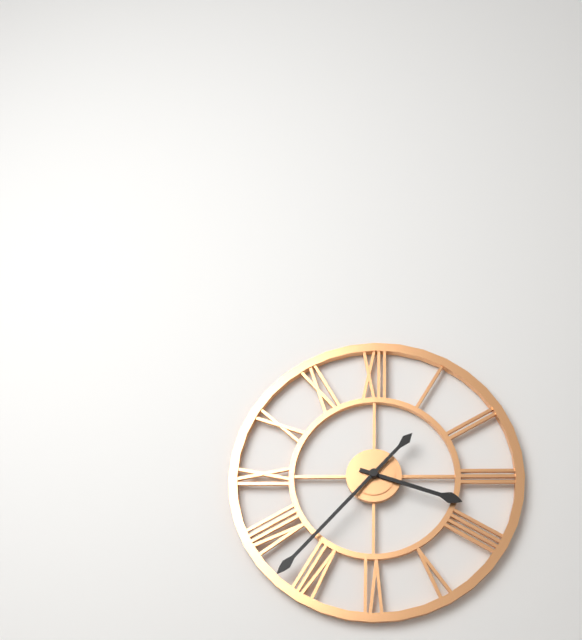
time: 3:37
